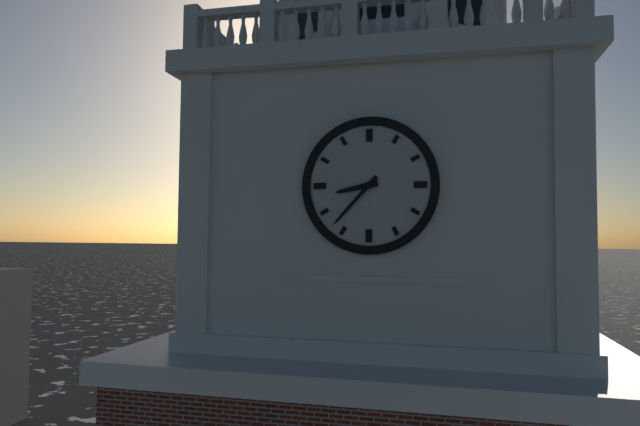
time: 8:37
